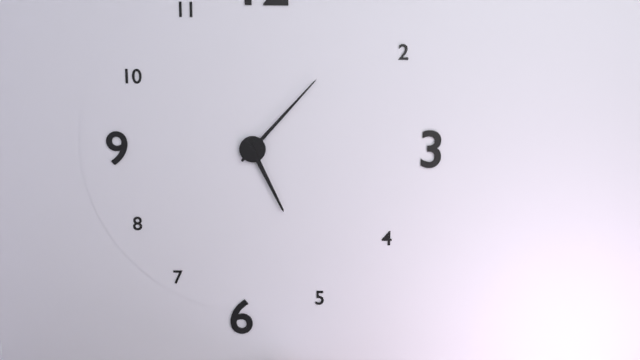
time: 5:07
